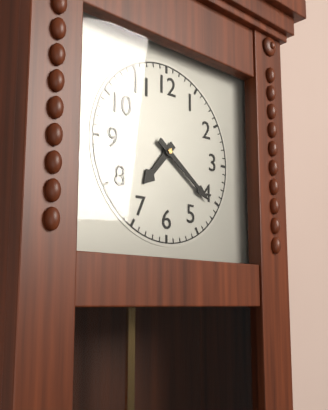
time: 7:21
